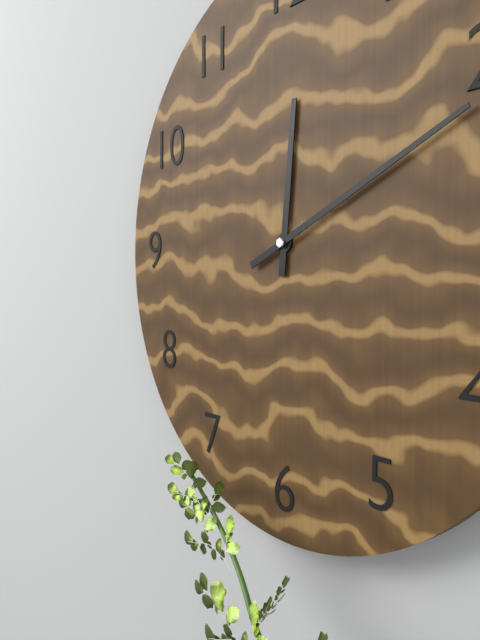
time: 12:11
